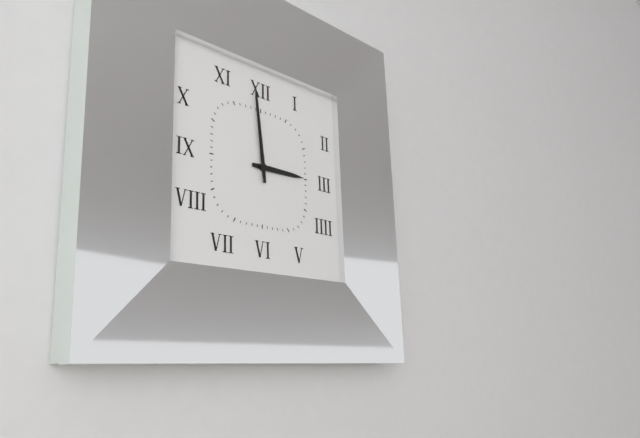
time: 2:59
